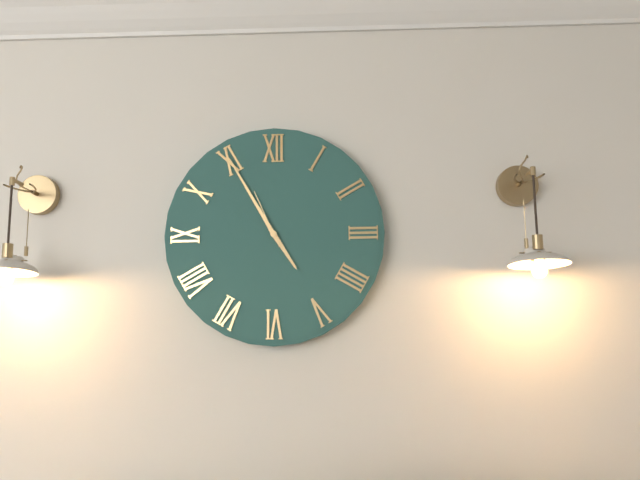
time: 4:55:56
